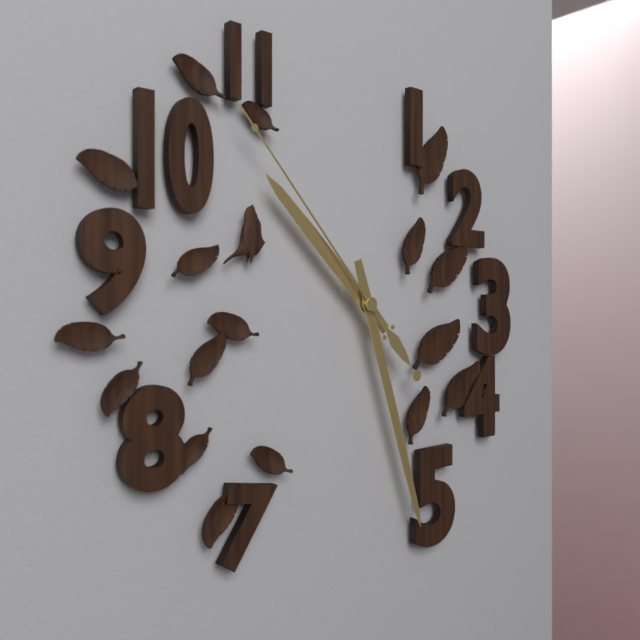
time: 10:27:53
